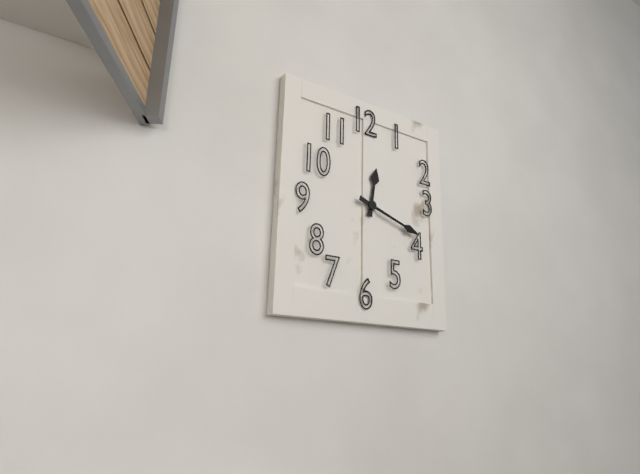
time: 12:18
